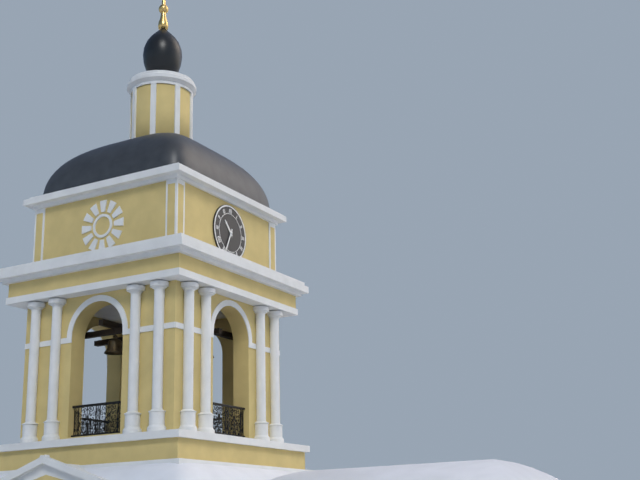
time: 10:34
